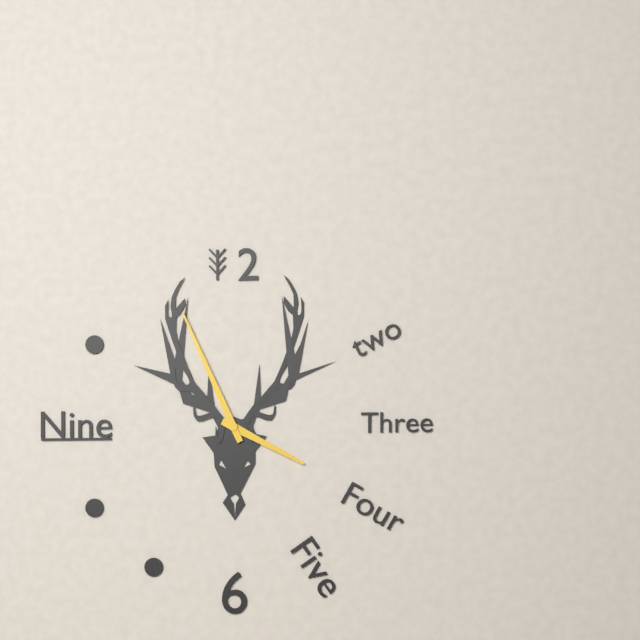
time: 3:56
